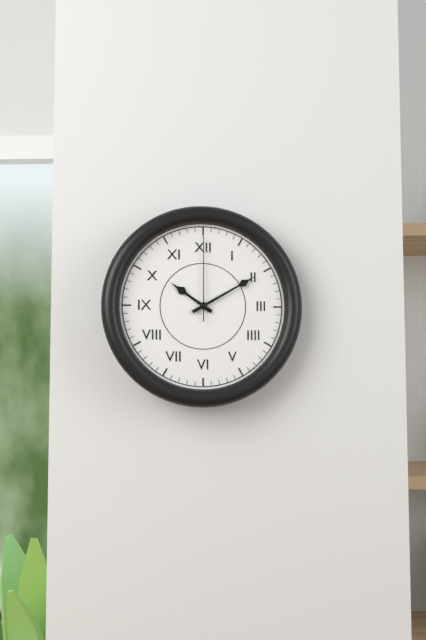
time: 10:10:00
